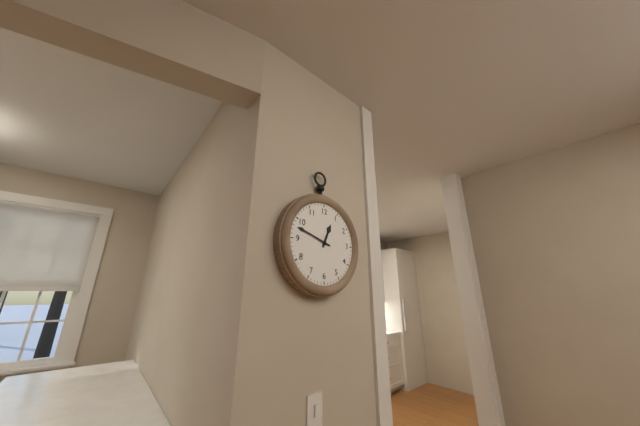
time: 12:48
